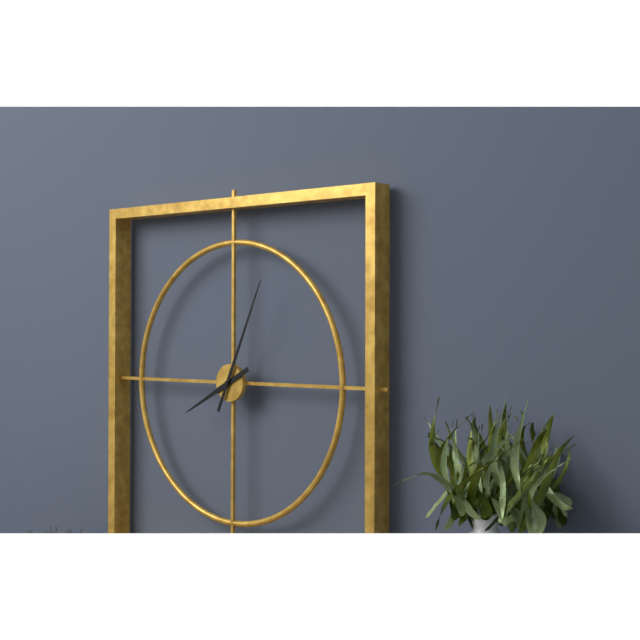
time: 8:04
